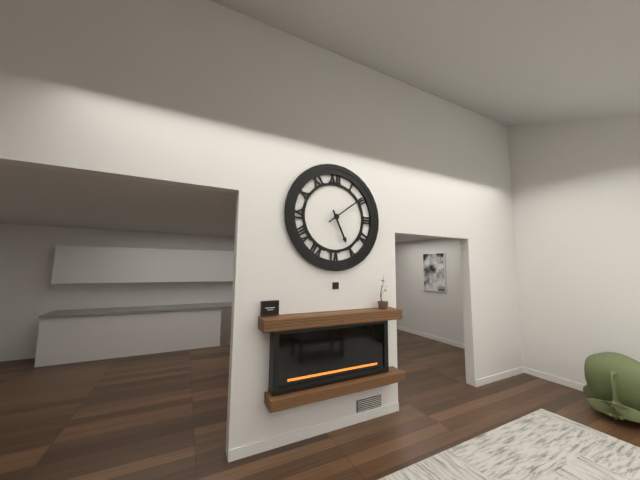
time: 5:09
